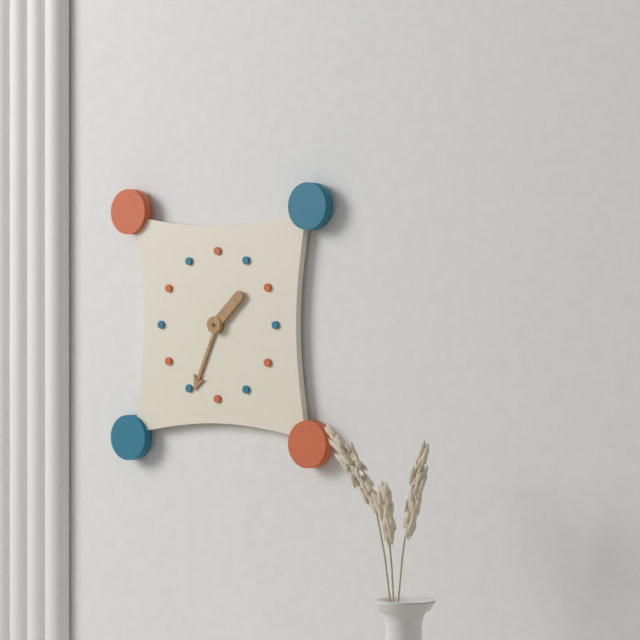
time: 1:34
